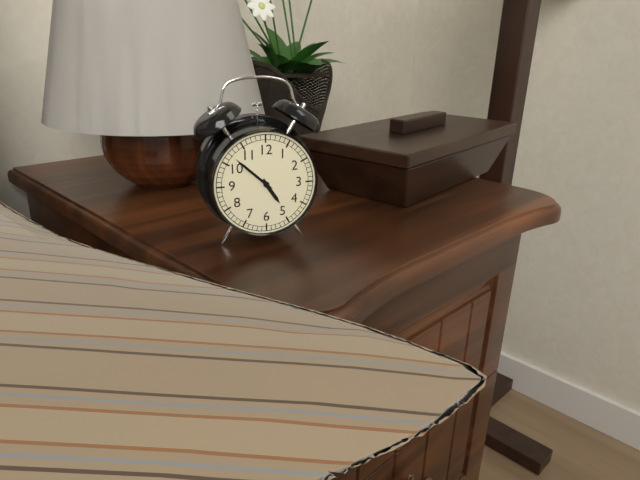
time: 4:52
